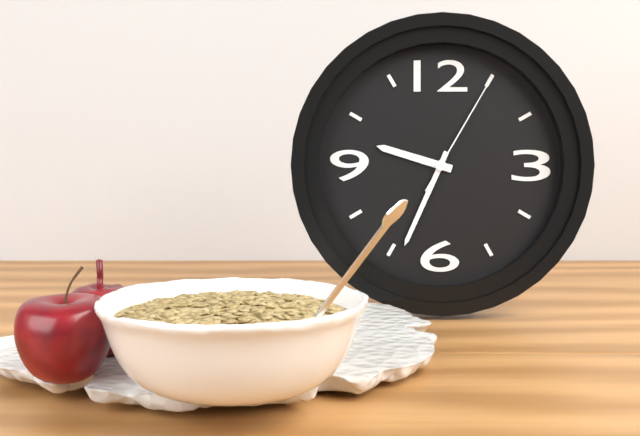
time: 9:34:05
